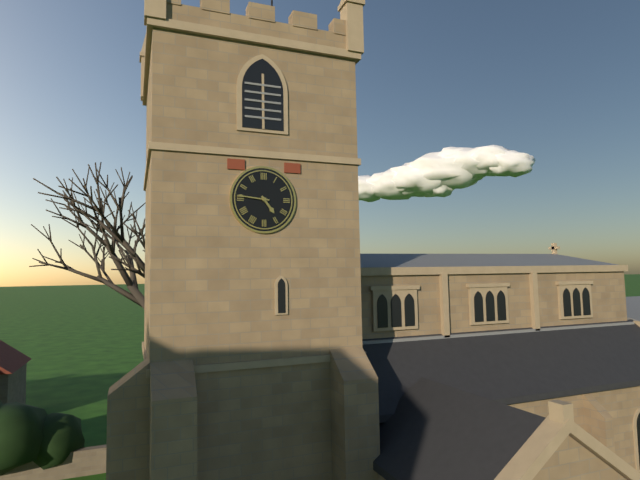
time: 4:46
